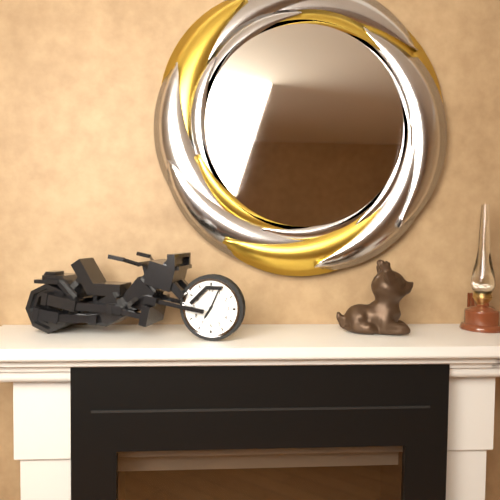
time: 7:04
